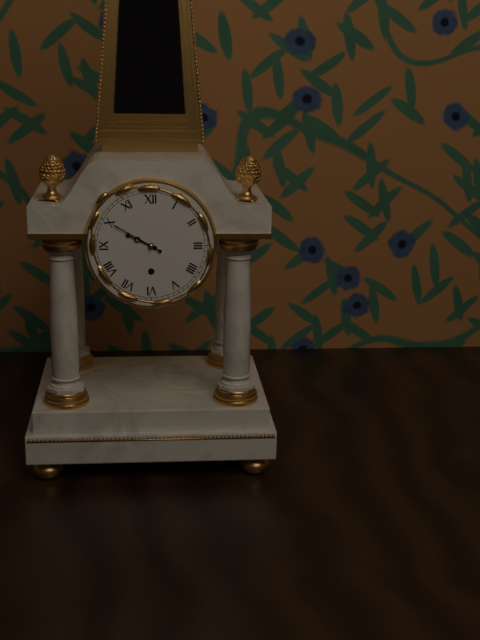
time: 9:50
